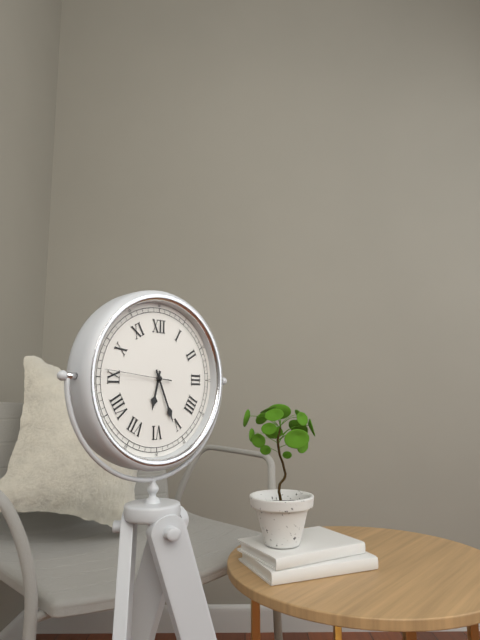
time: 6:26:46
